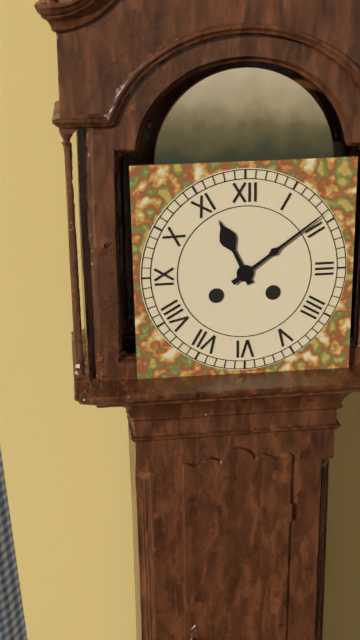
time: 11:09
